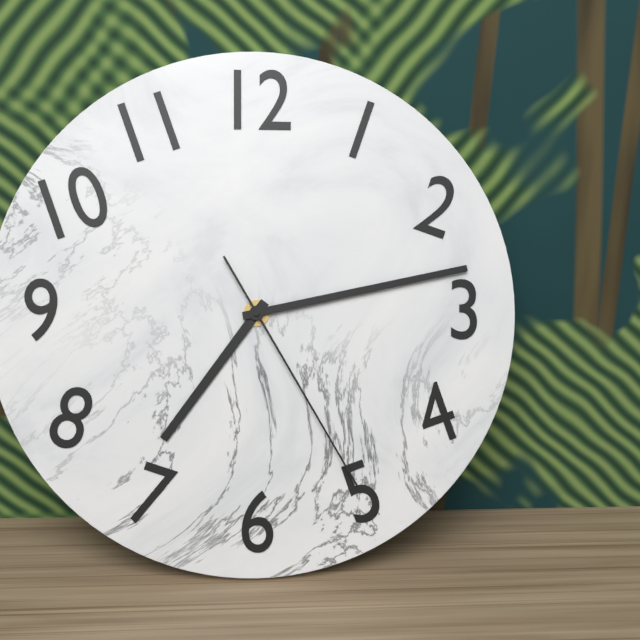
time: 7:13:25
